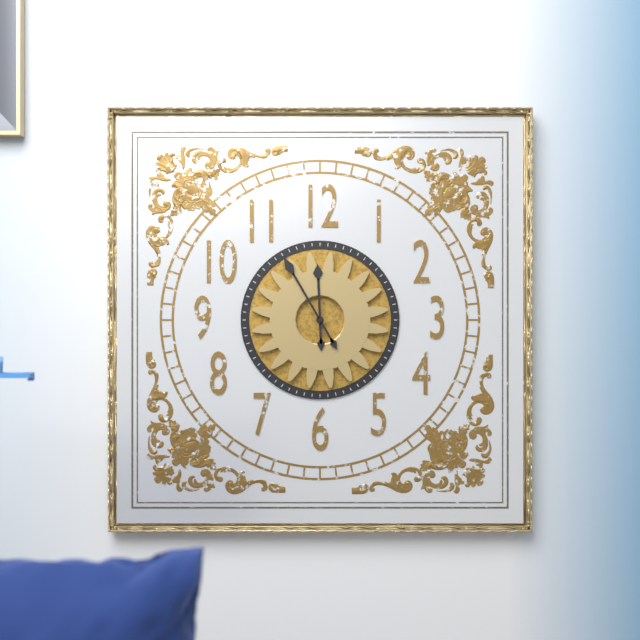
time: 11:55
